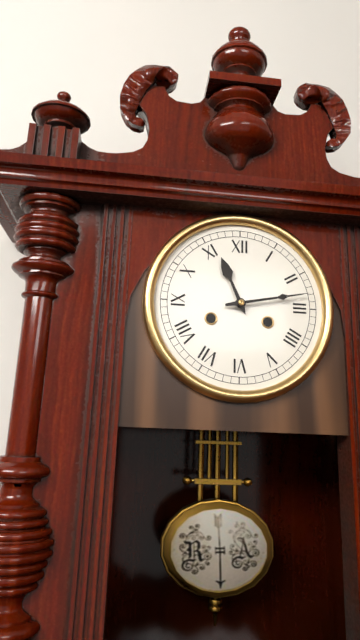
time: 11:13
